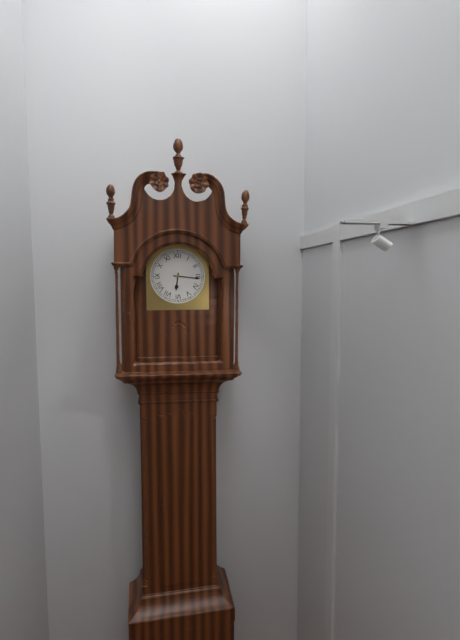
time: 6:16
